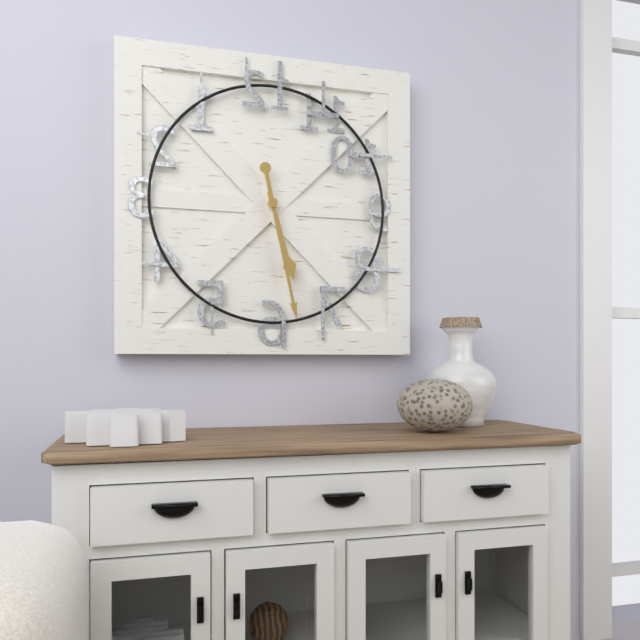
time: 5:28
